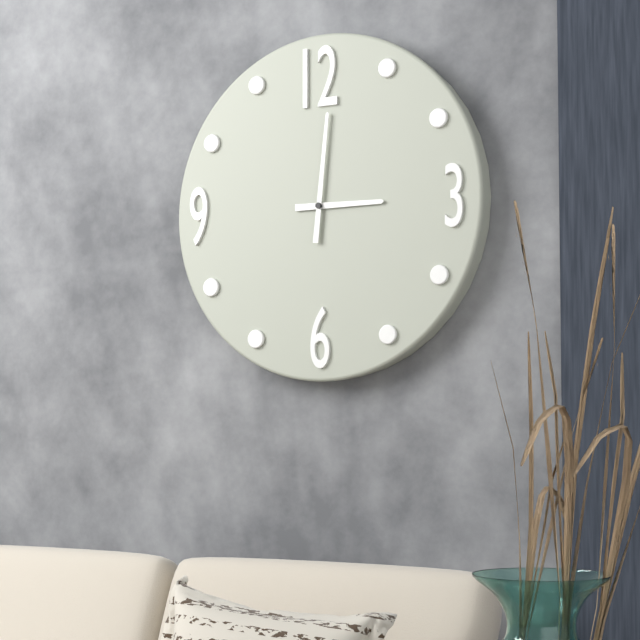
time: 3:01
